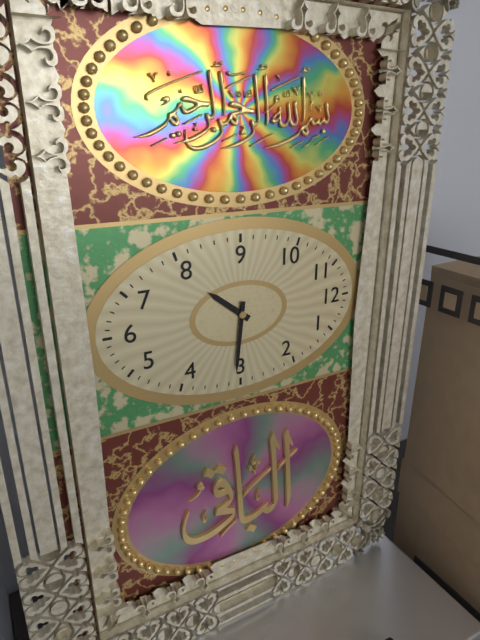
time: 7:16
